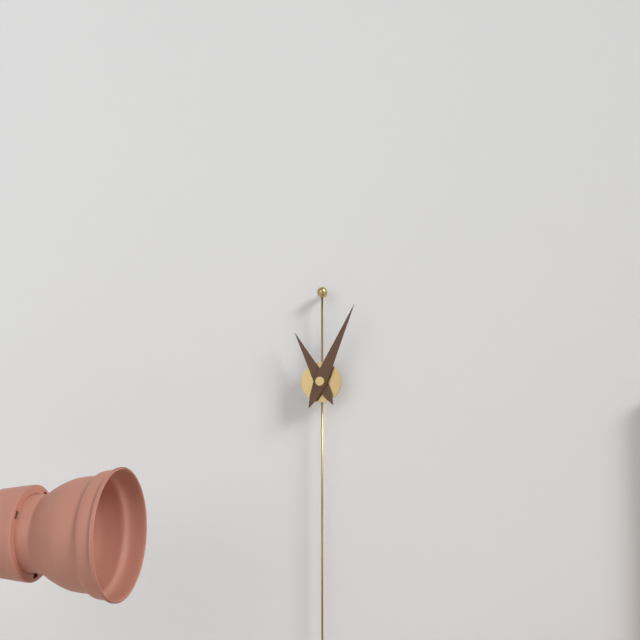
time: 11:04
